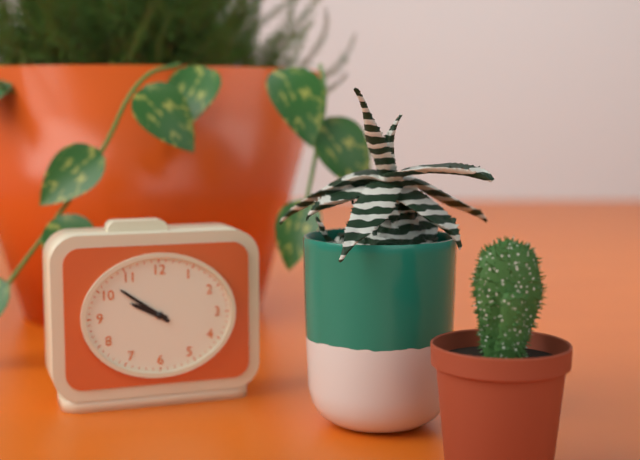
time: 9:51
